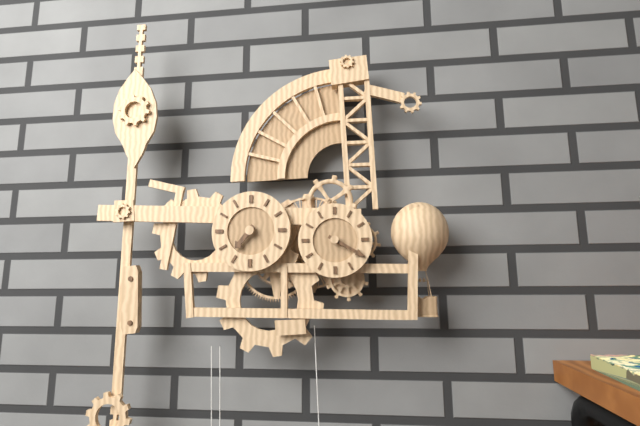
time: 7:20
